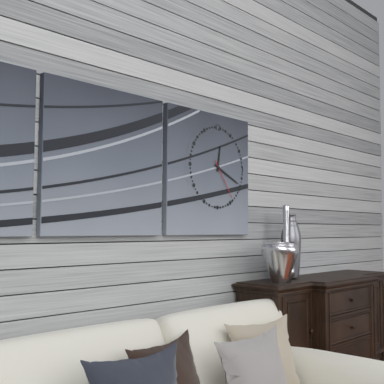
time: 12:19
